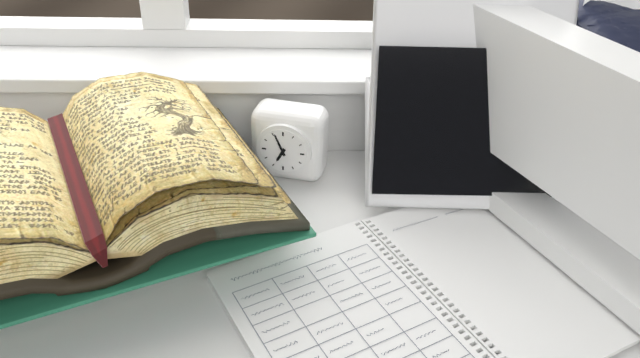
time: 6:56
